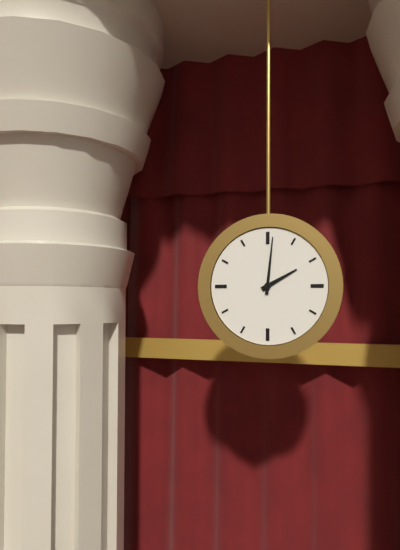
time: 2:01
